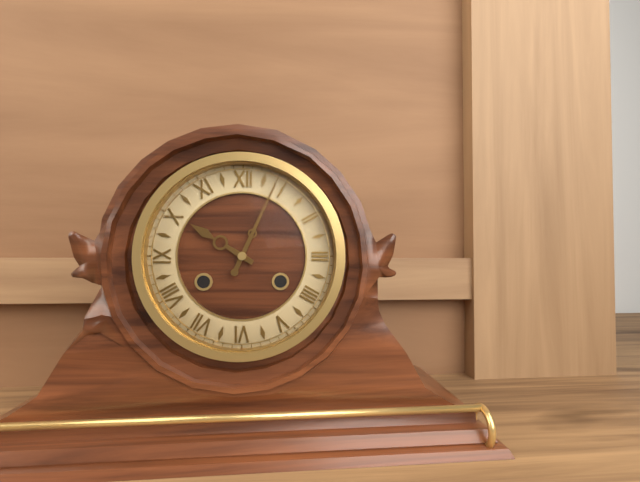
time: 10:04
